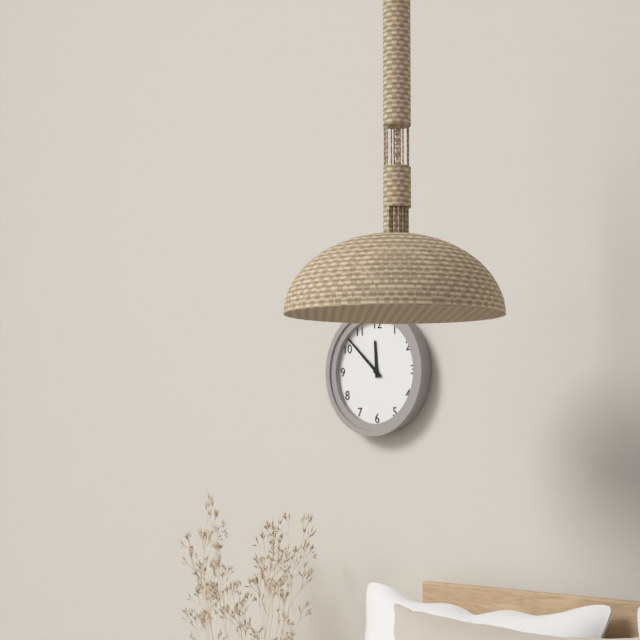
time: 11:52
